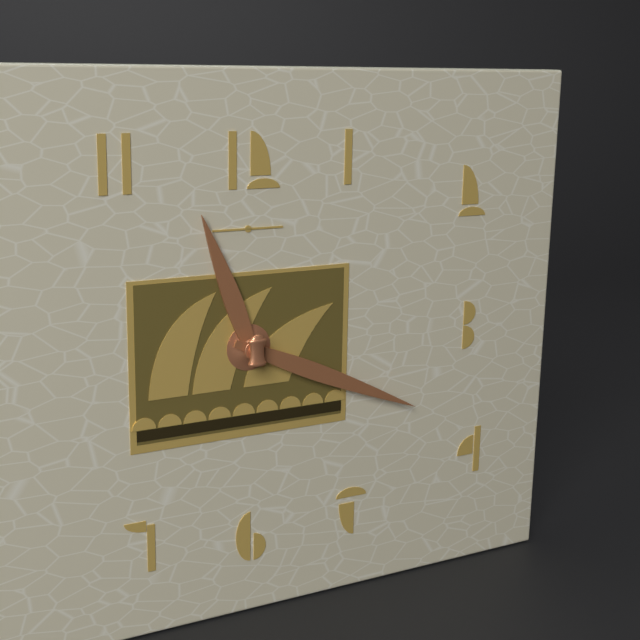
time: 11:19
